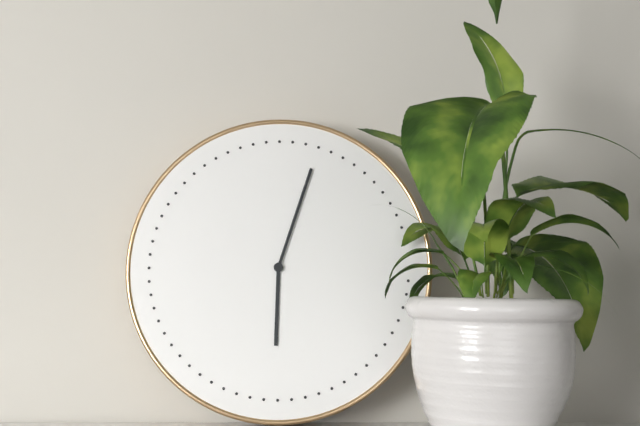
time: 6:03
